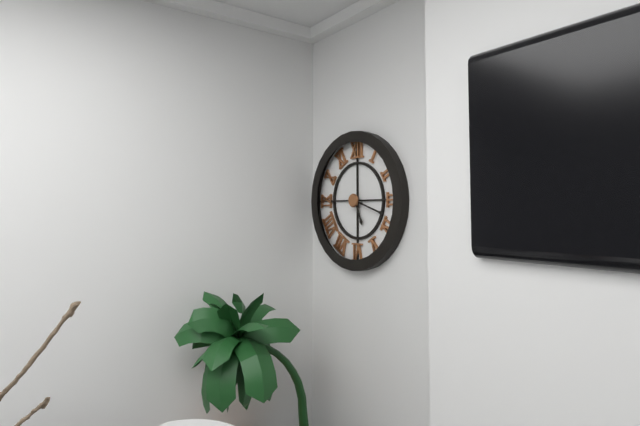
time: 5:18
